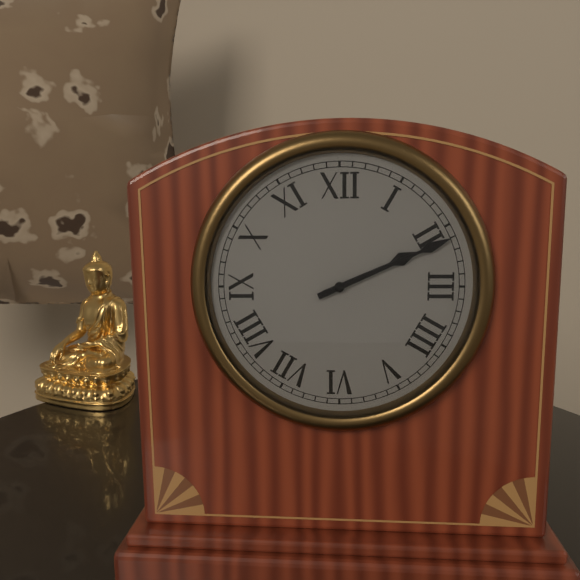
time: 2:11
